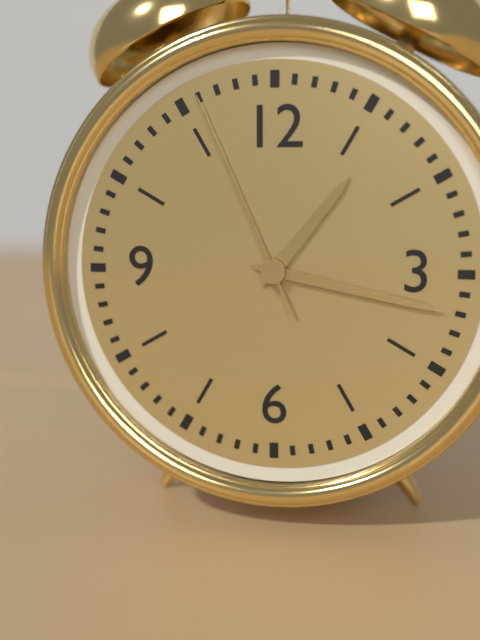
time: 1:17:56
